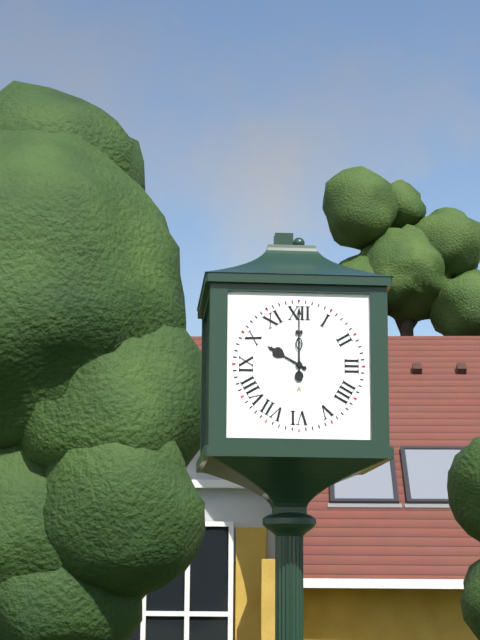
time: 10:00
